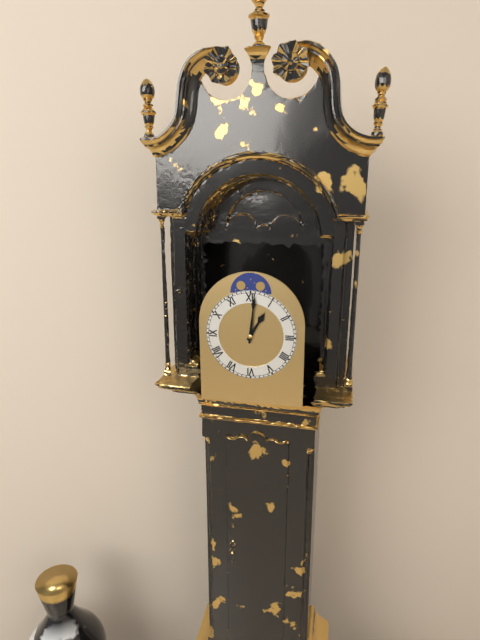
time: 1:01
